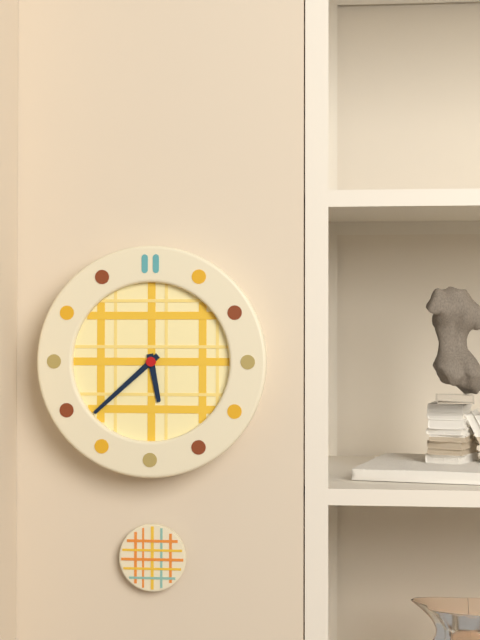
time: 5:38
